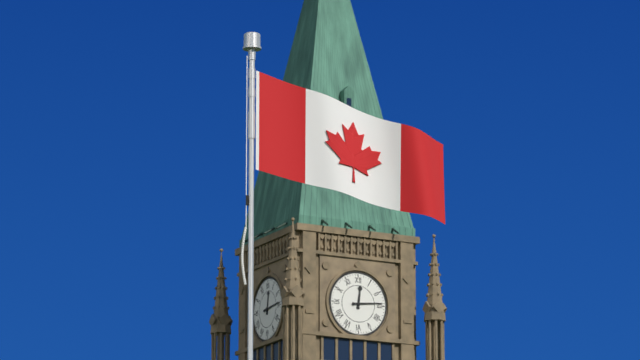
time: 12:14
